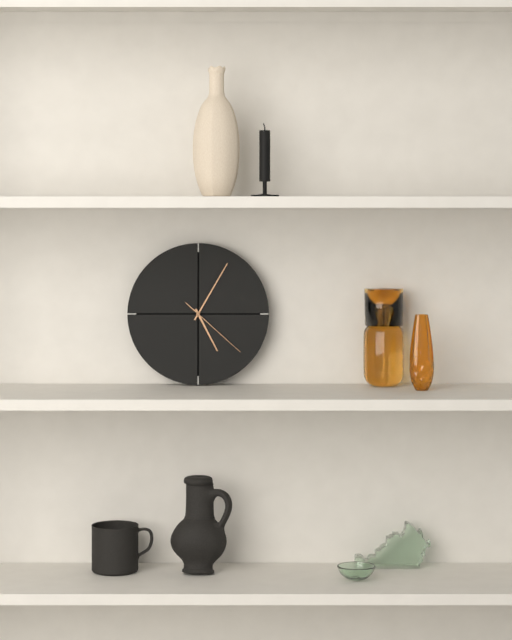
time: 5:05:22
